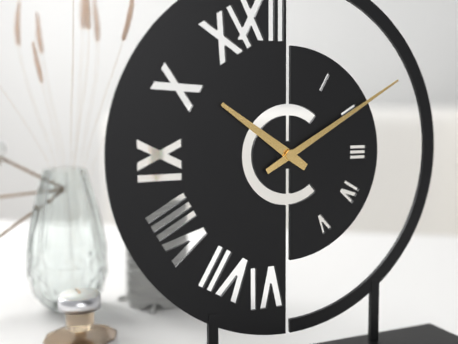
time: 10:10
